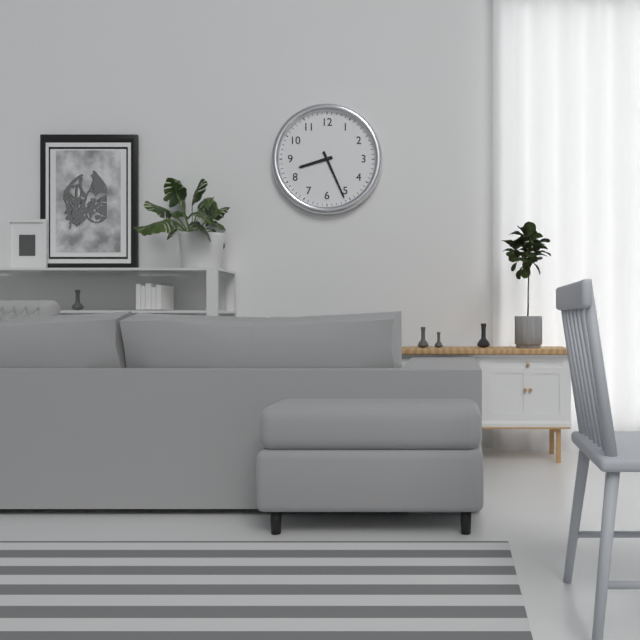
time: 8:26
